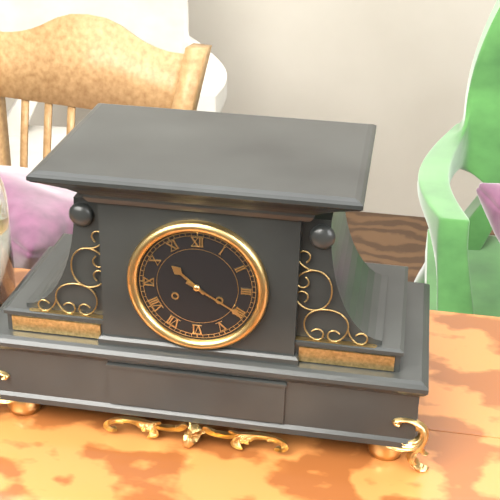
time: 10:20
